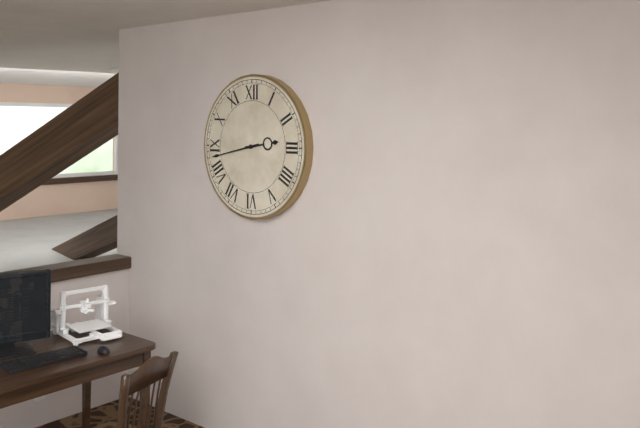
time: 2:43
